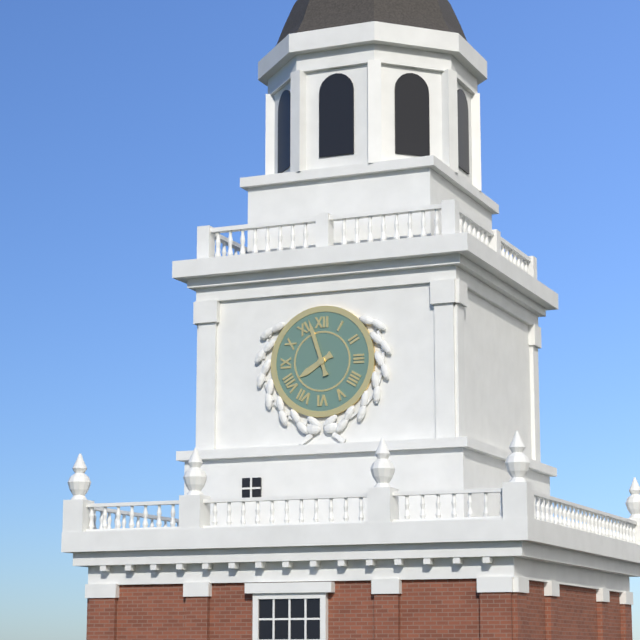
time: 7:57
